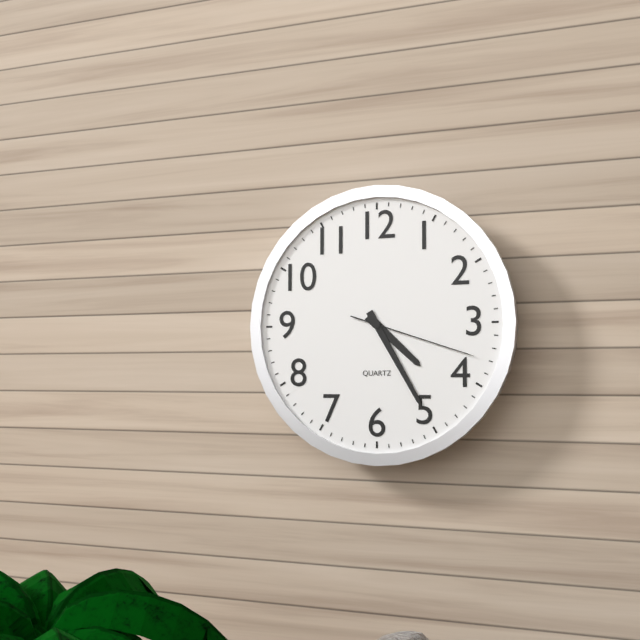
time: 4:25:18
